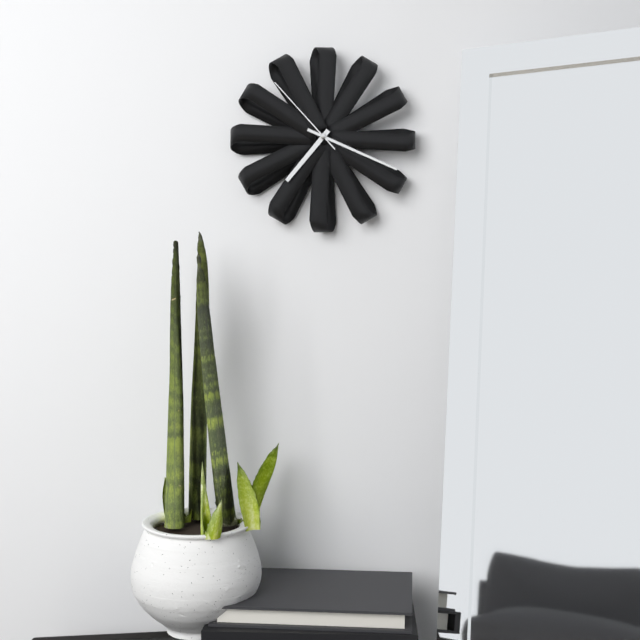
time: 7:19:53
